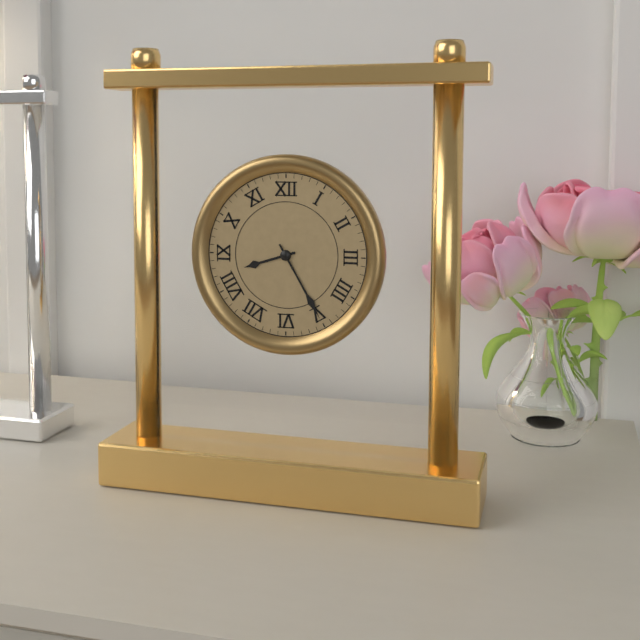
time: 8:25
